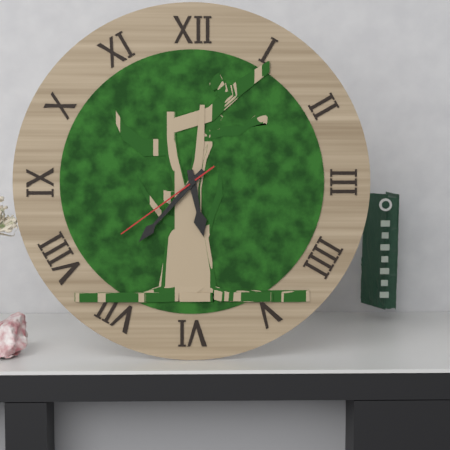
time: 5:37:39
